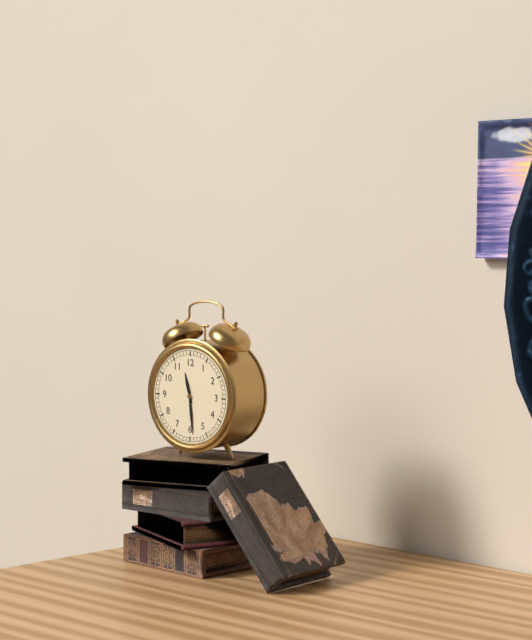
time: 11:29
